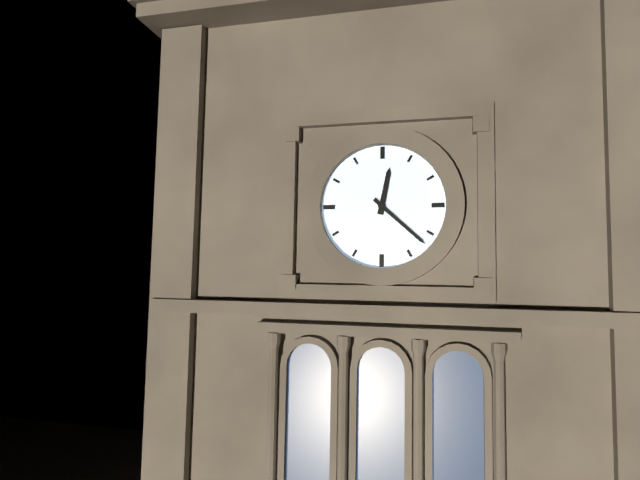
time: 12:22
